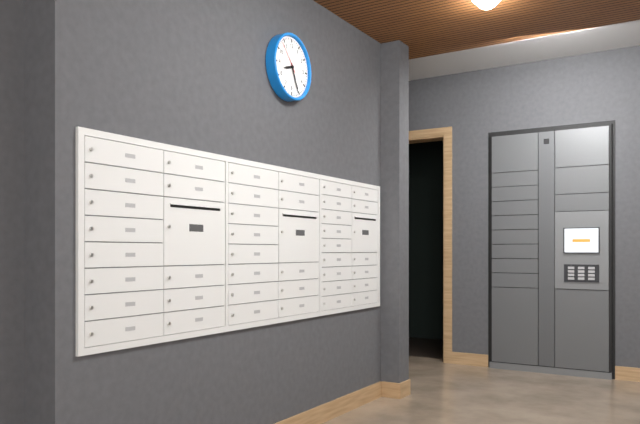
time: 8:26
